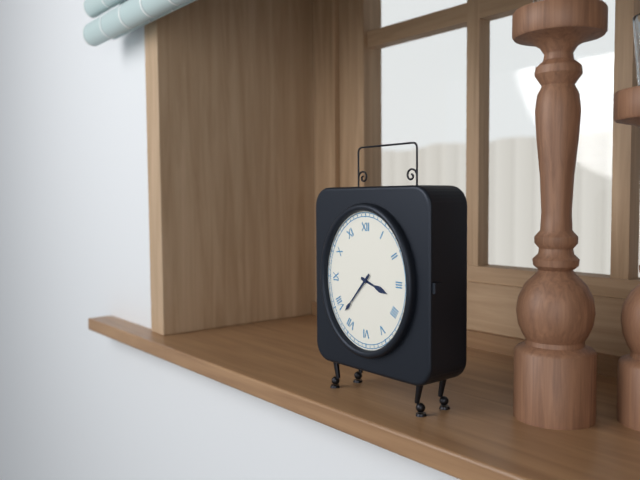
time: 3:37
